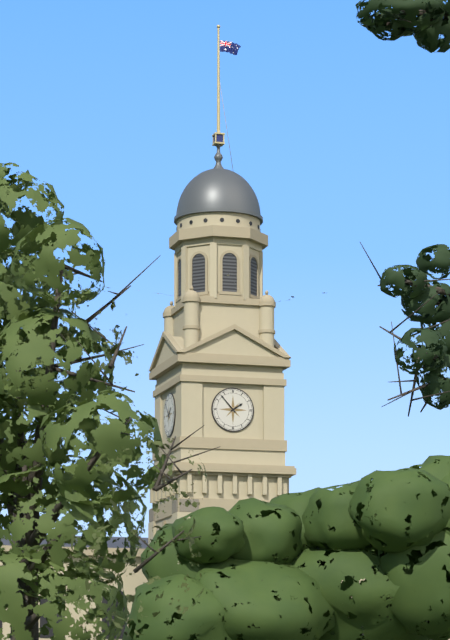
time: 1:53
